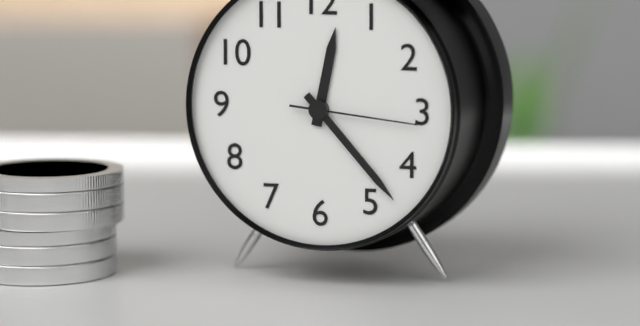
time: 12:23:16
